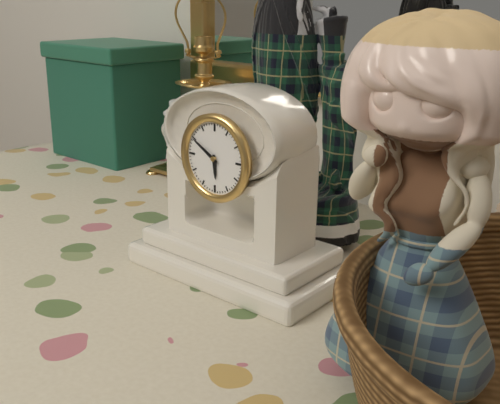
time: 5:50
